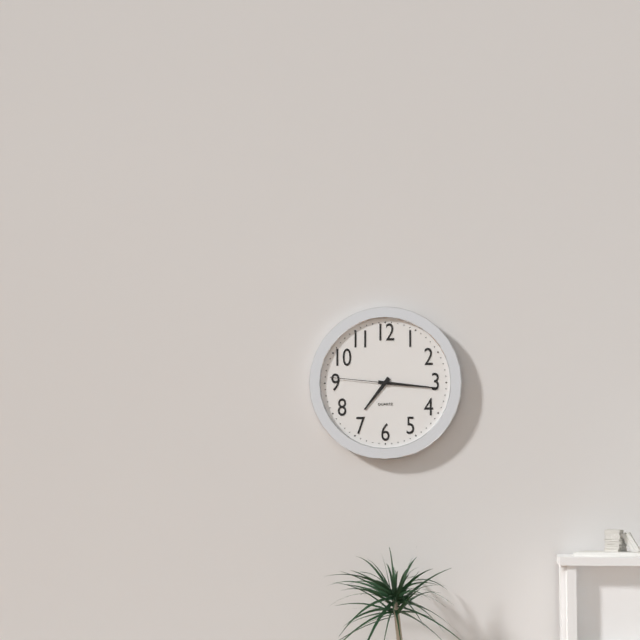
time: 7:16:46
